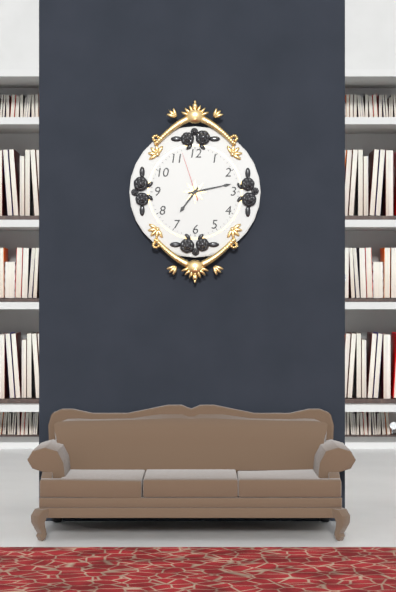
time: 7:13:57
